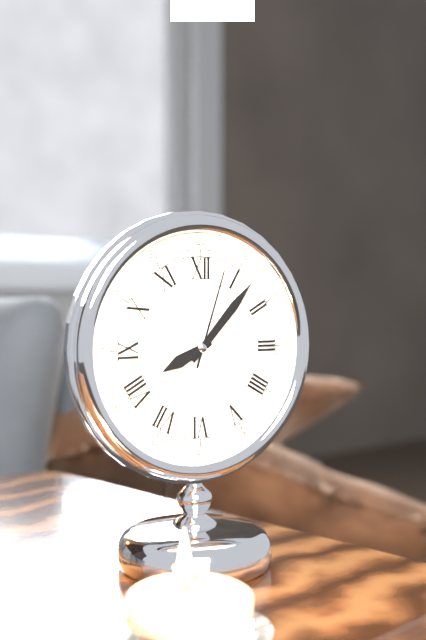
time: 8:07:03
